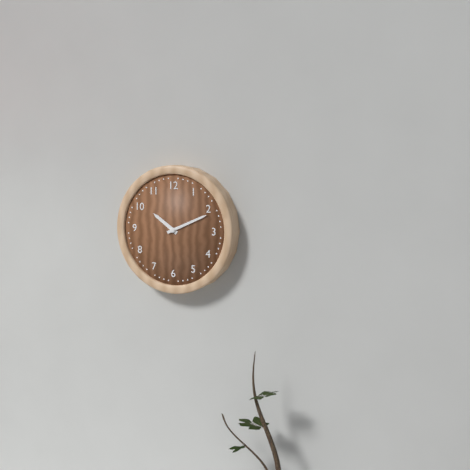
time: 10:11
